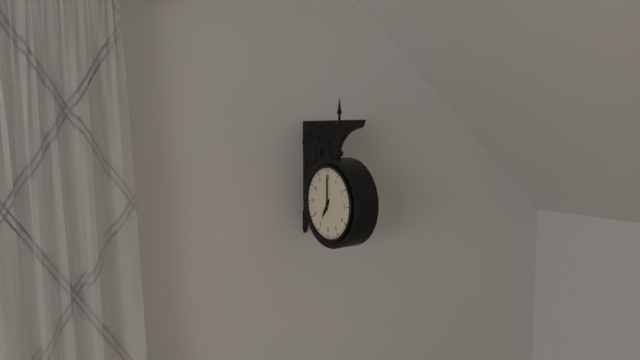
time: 7:00
